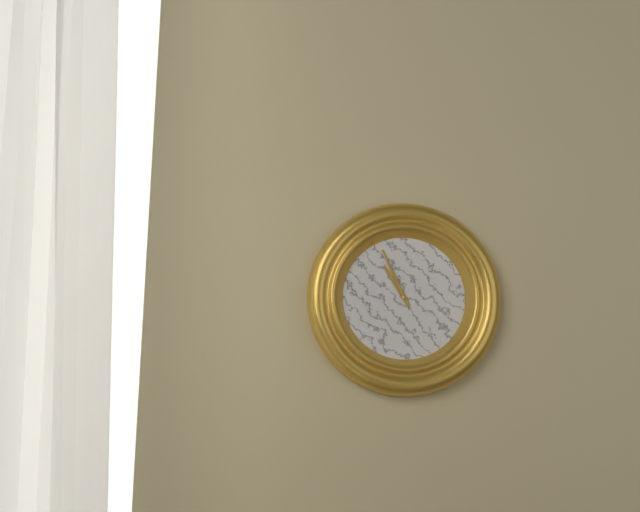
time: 10:56
